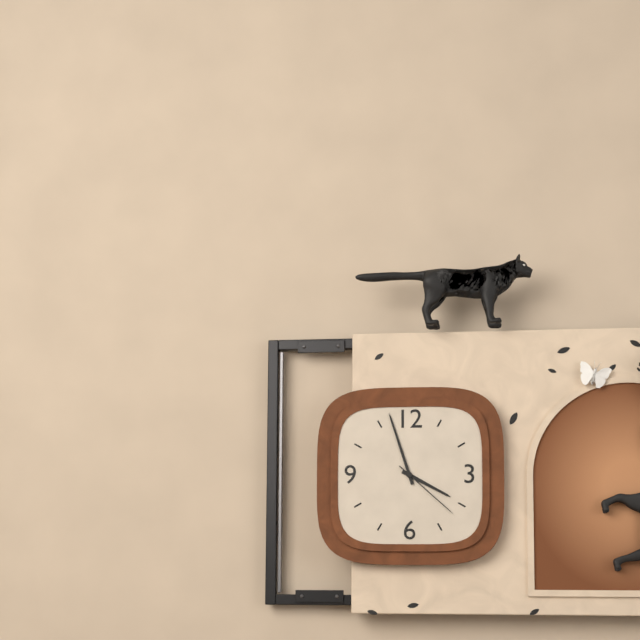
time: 3:57:22
